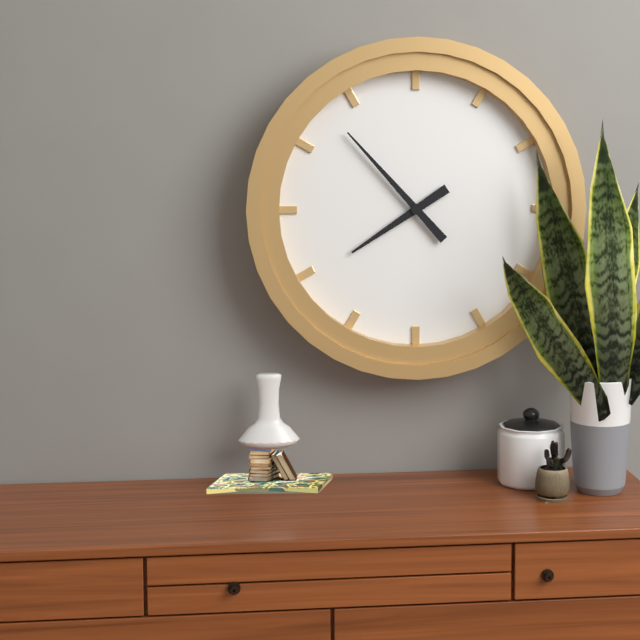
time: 7:53
